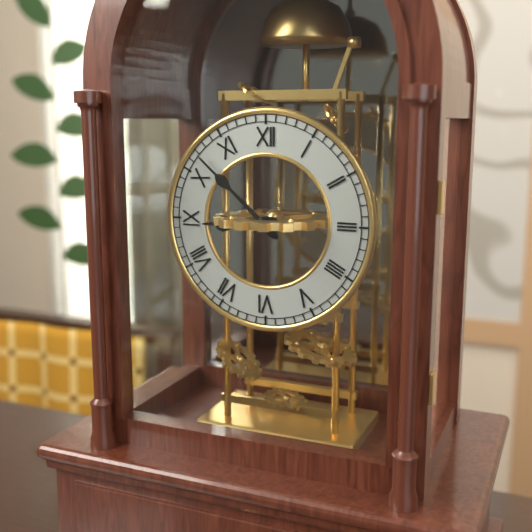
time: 8:52
